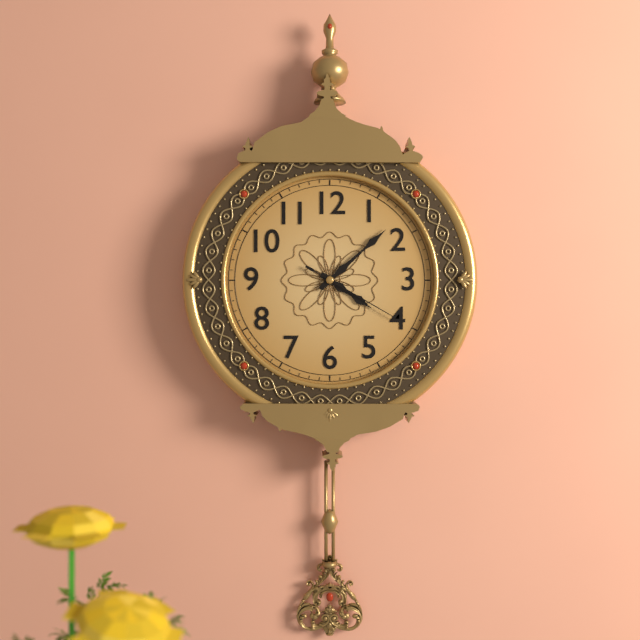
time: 4:08:20
